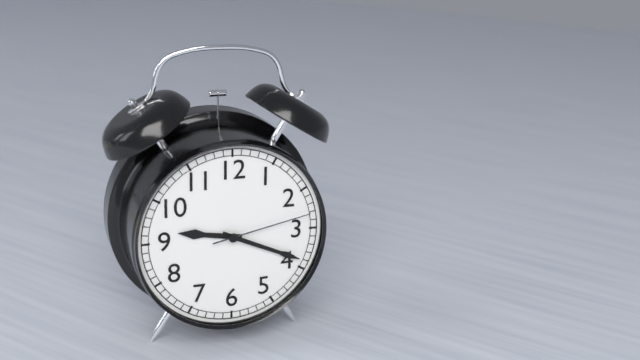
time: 9:19:13
